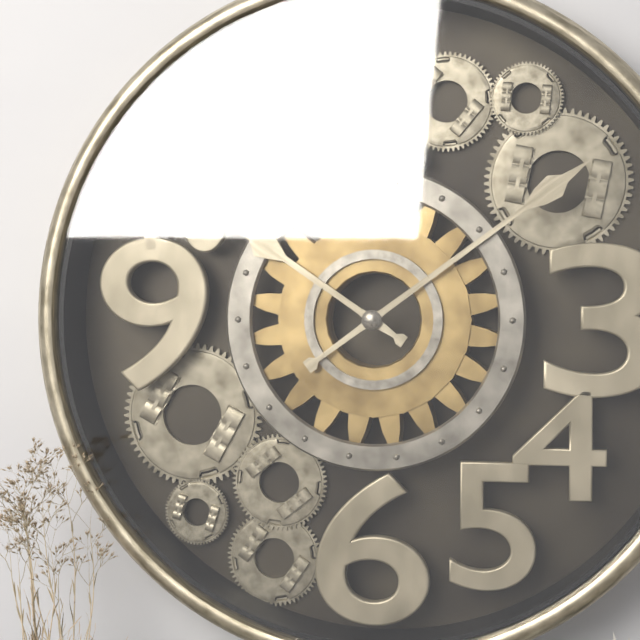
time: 10:09
